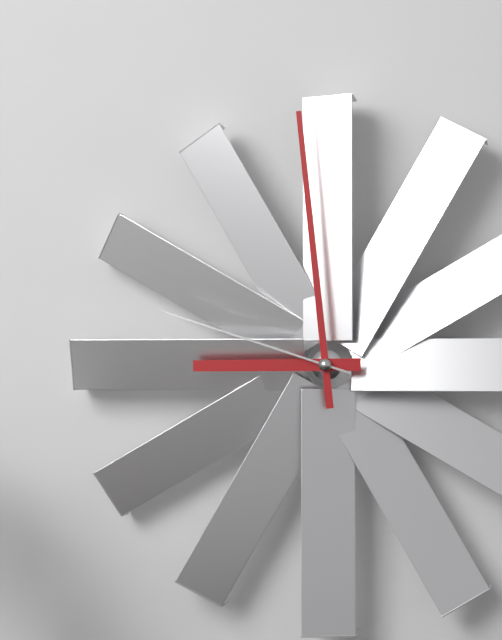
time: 8:59:48
